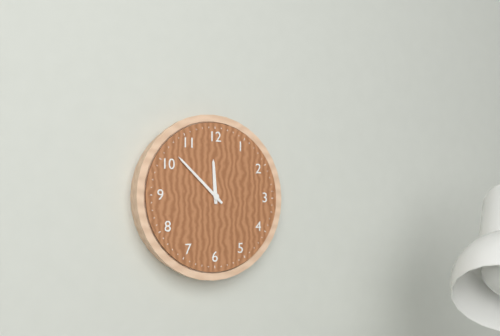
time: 11:52
